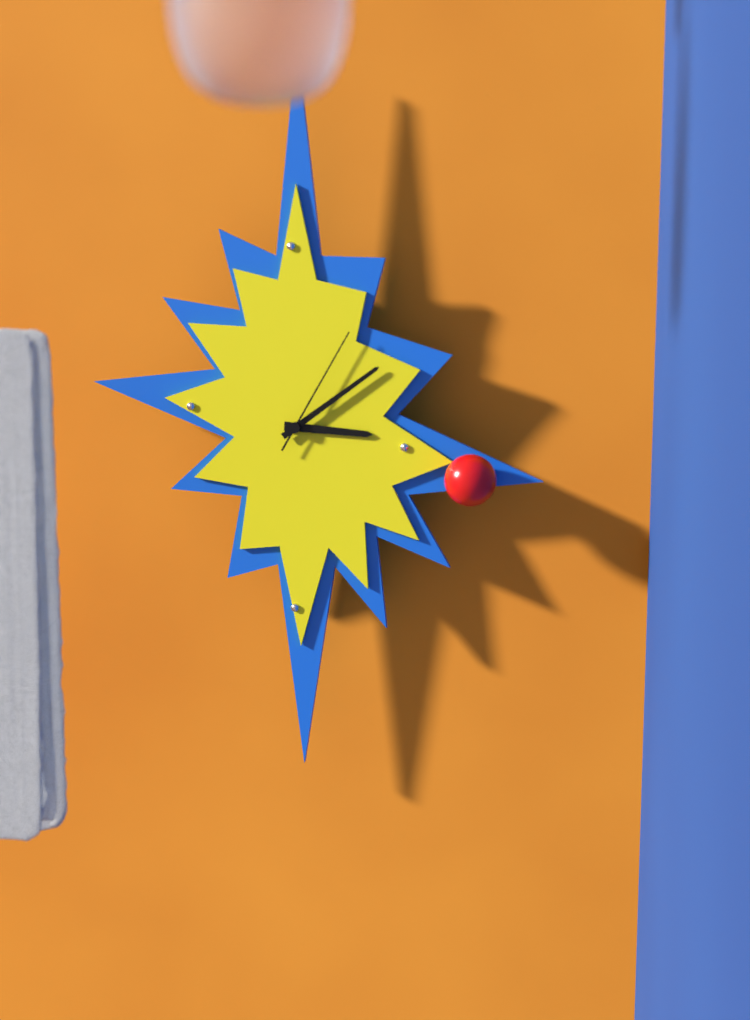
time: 3:09:05
